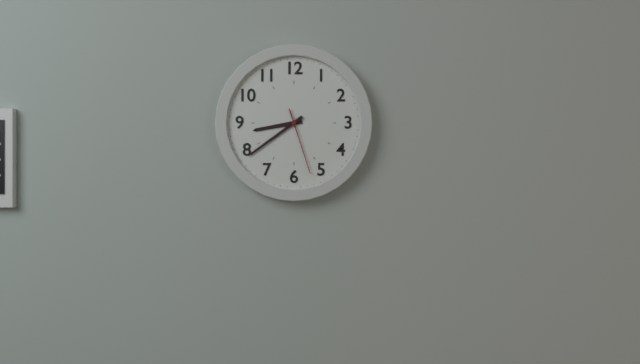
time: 8:39:27
